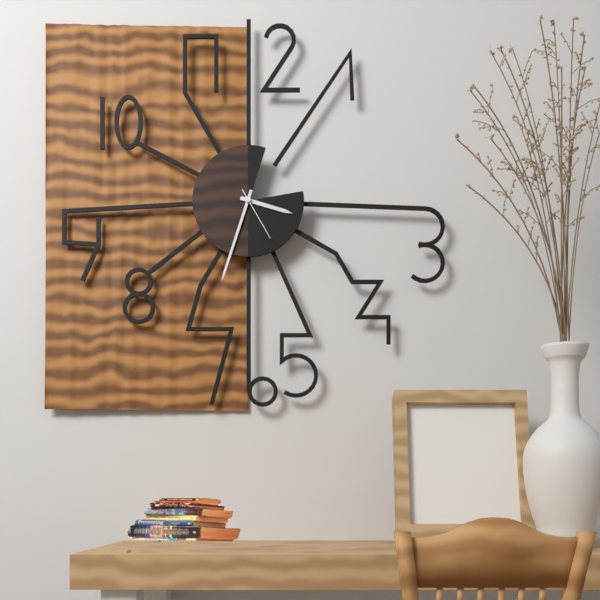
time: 3:33
